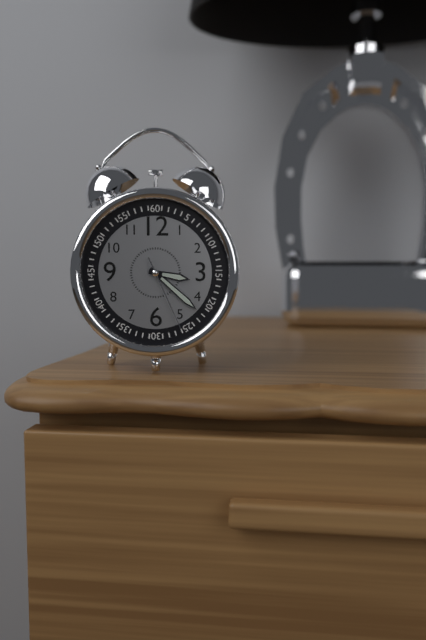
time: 3:22:26
